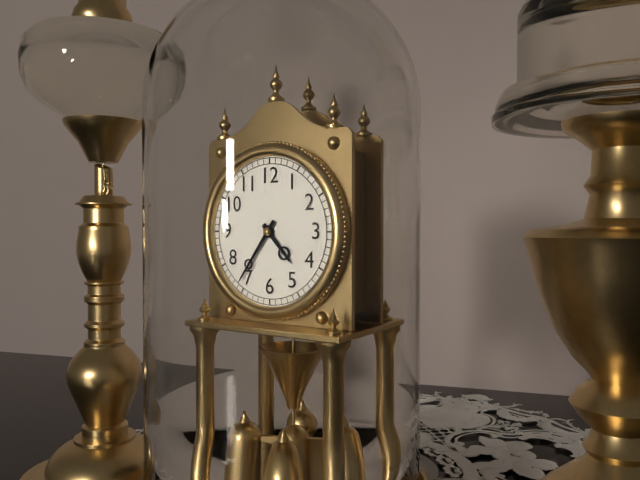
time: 4:36
